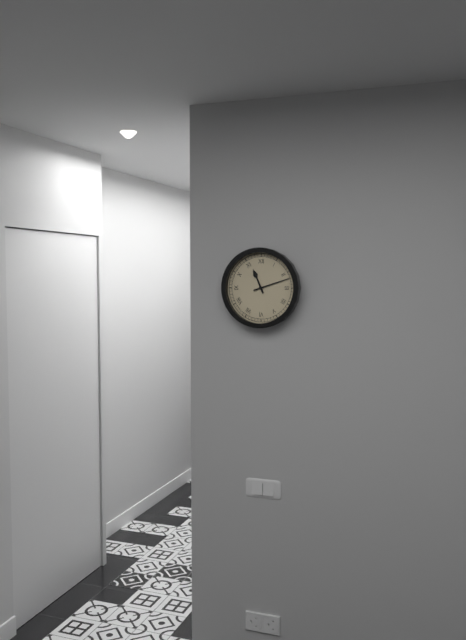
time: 11:12
